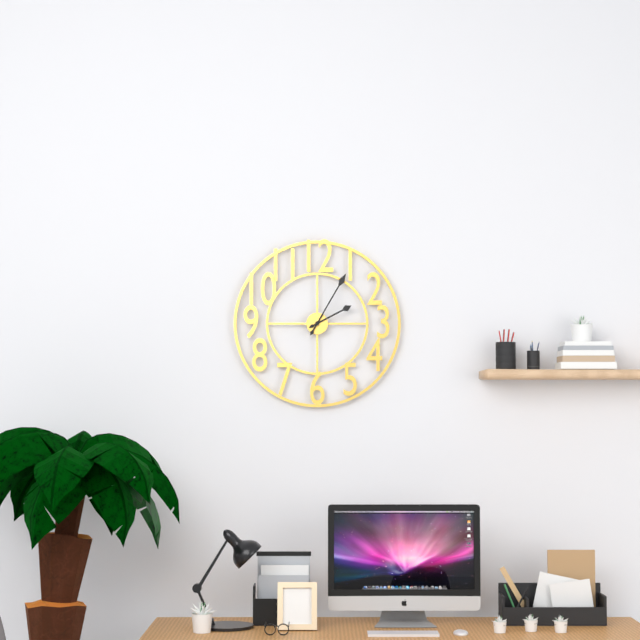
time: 2:05
